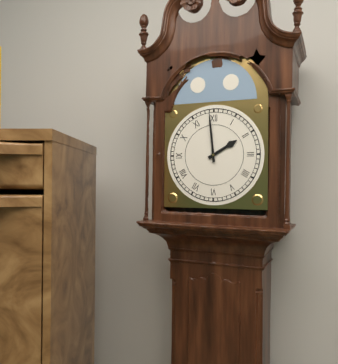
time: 1:59
